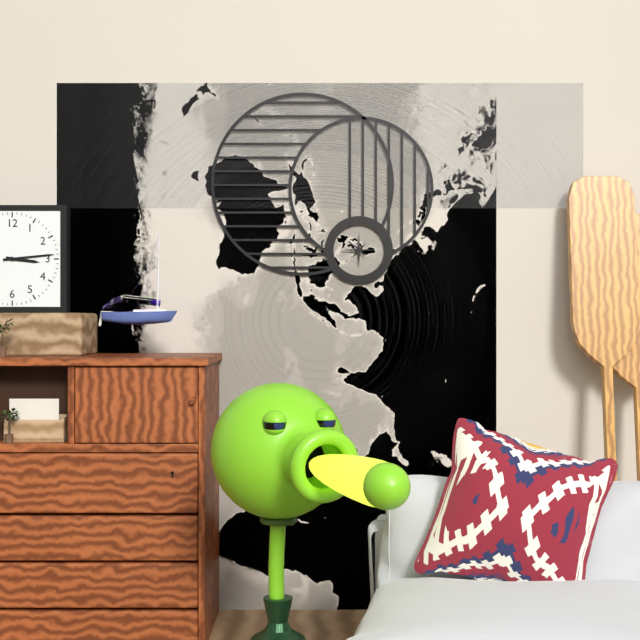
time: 3:14
